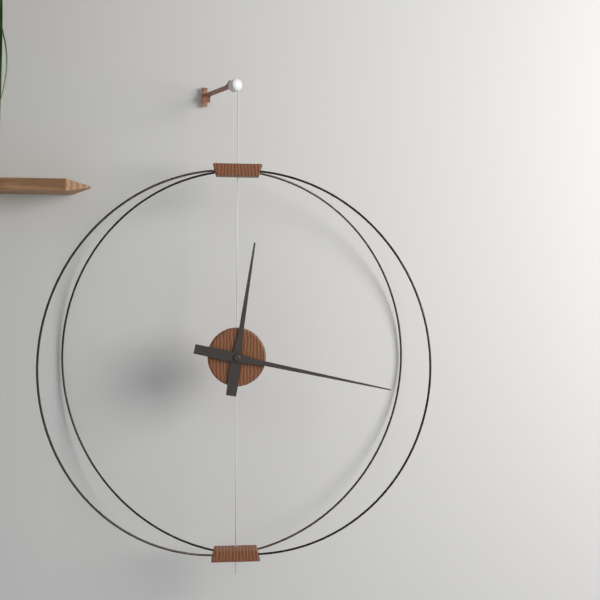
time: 12:17
